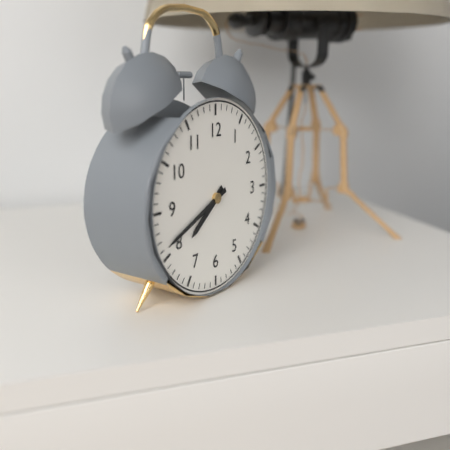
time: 7:41
